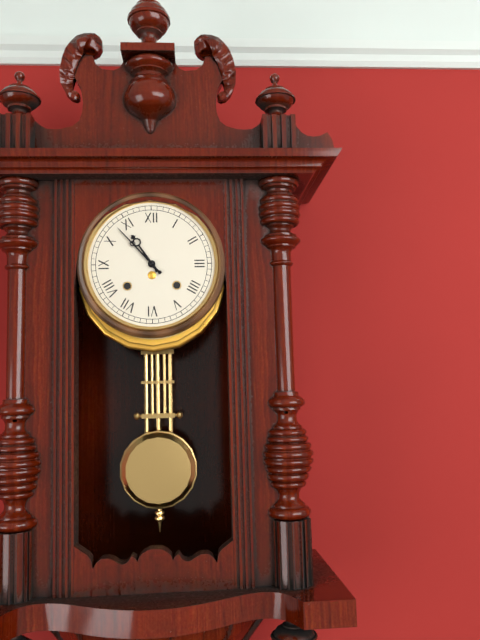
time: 10:53
